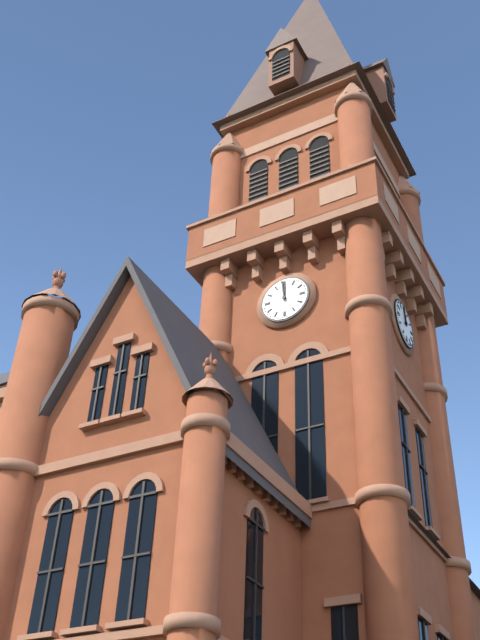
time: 11:59
